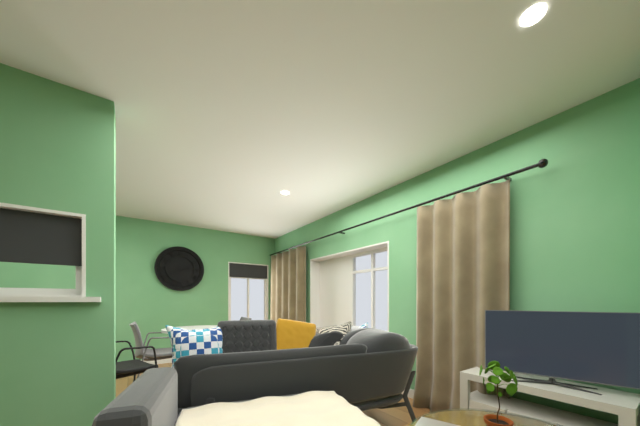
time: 2:40
